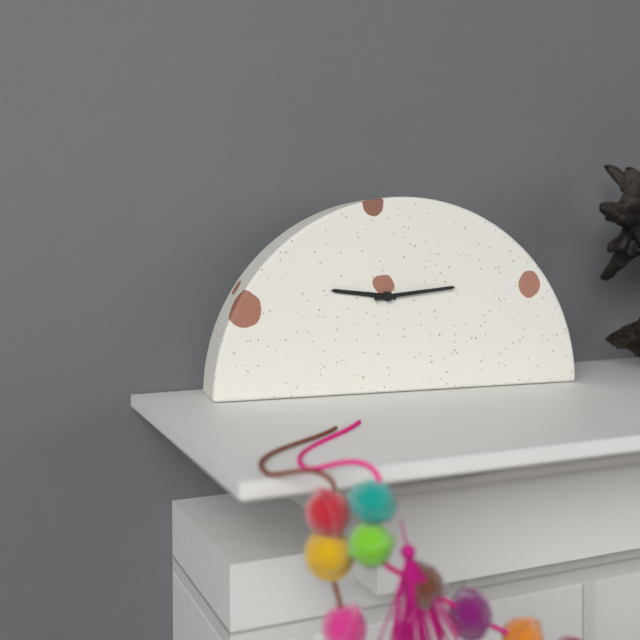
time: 9:14
